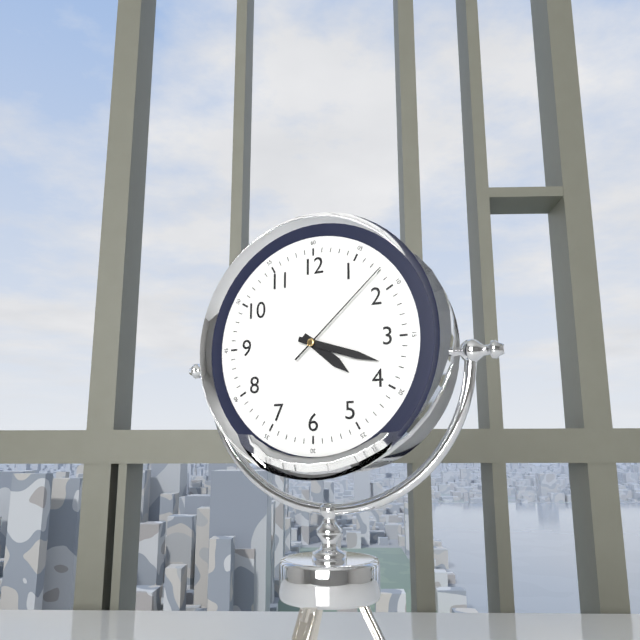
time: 4:18:08
